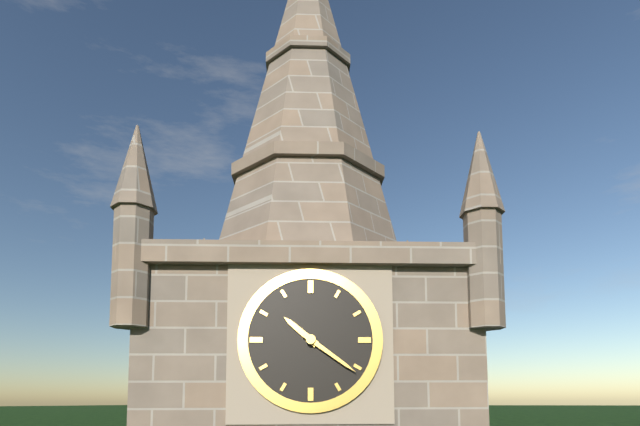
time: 10:21
